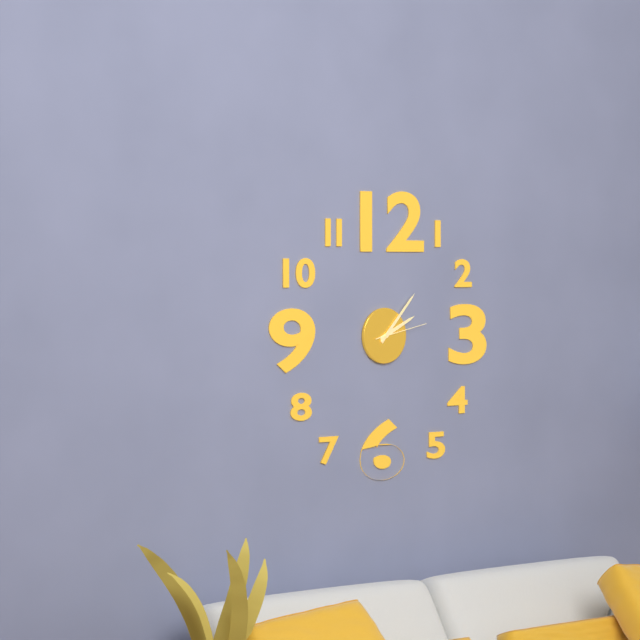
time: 2:07:13
